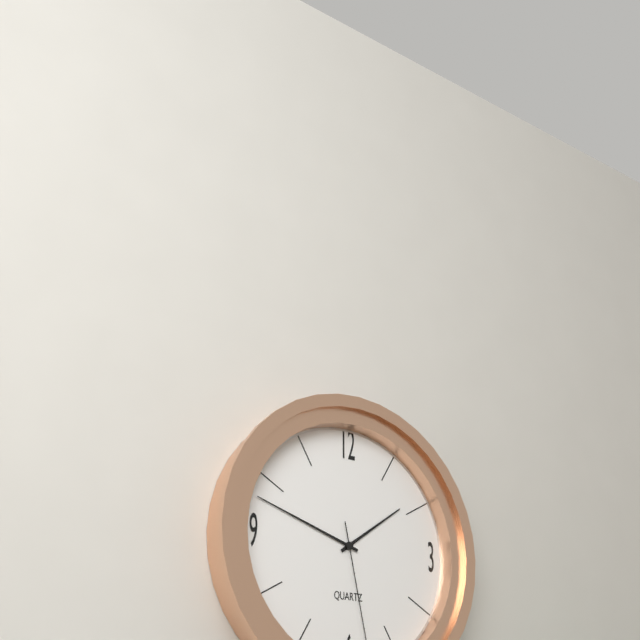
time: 1:48
